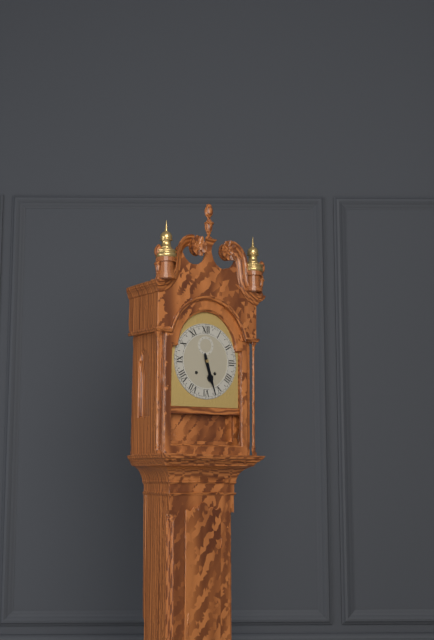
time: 5:27
